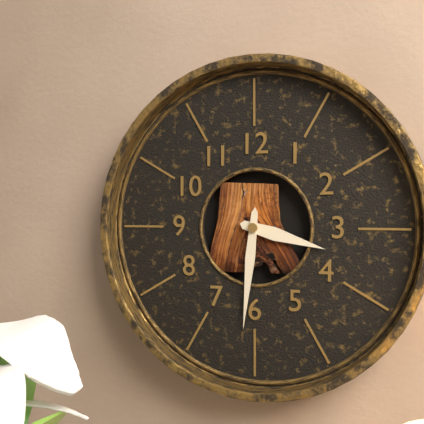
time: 3:31
